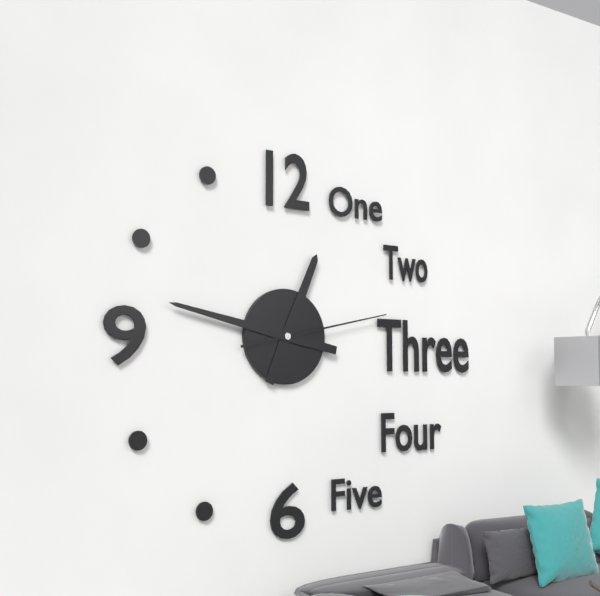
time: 12:47:13
